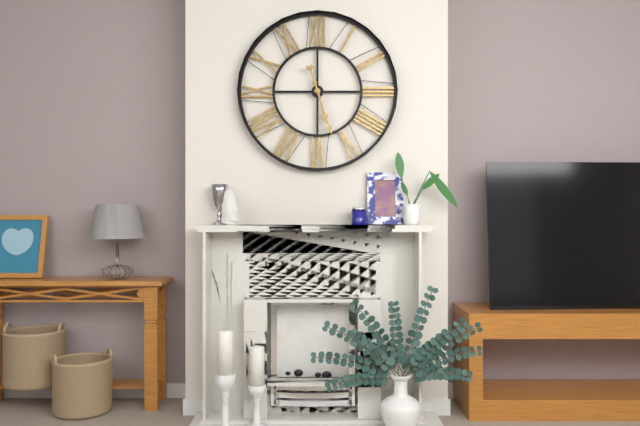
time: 5:27
